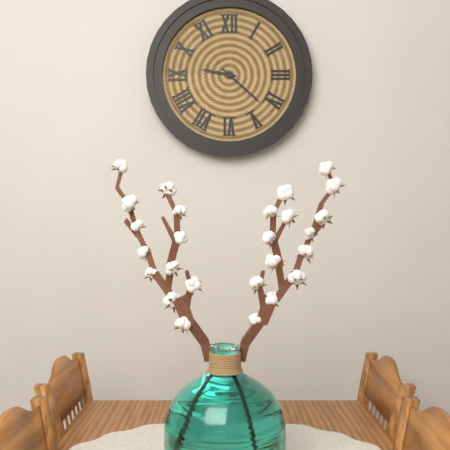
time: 9:22
